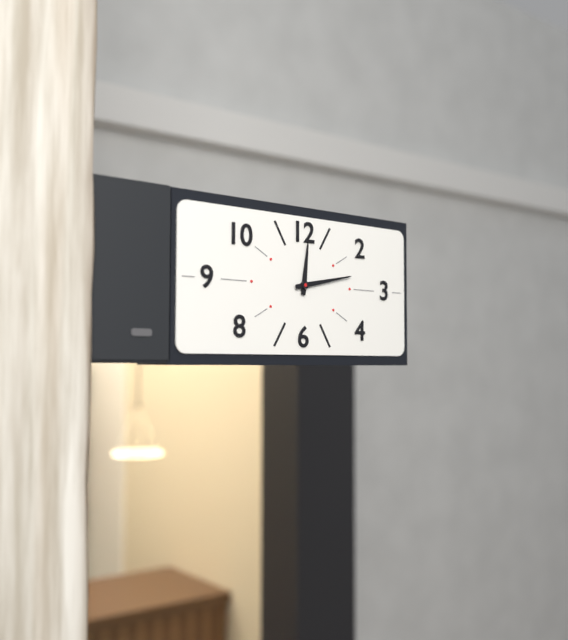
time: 12:13
